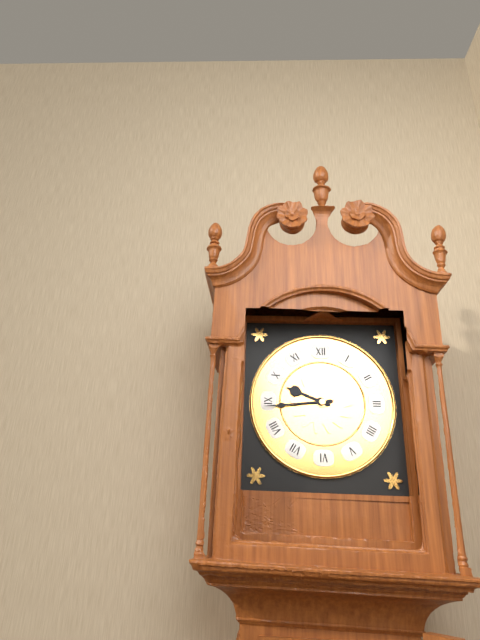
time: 9:44
